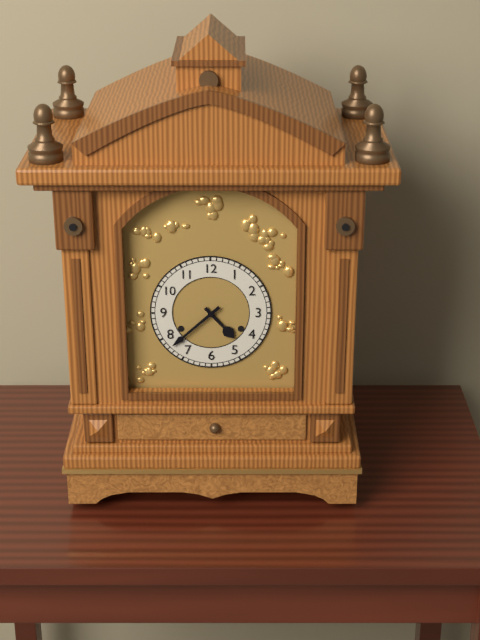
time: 4:38
